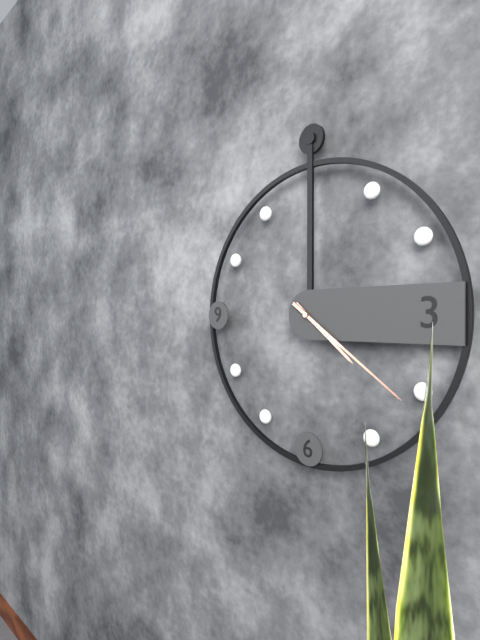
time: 4:21
